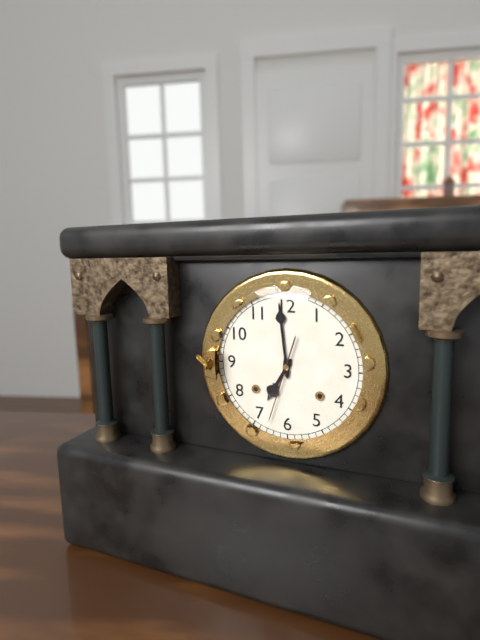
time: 6:59:33
